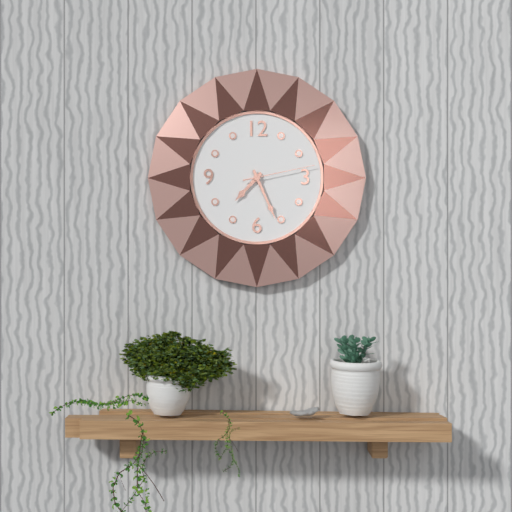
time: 7:26:13
